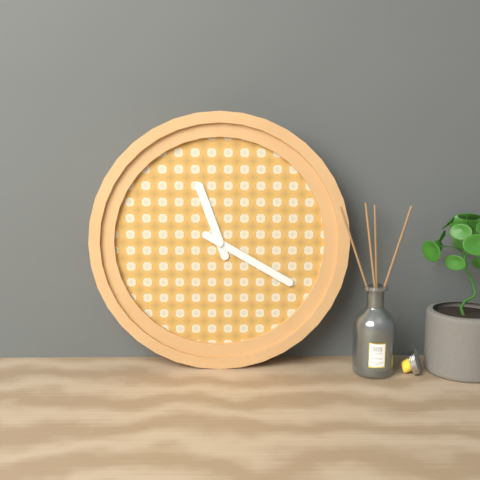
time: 11:20
